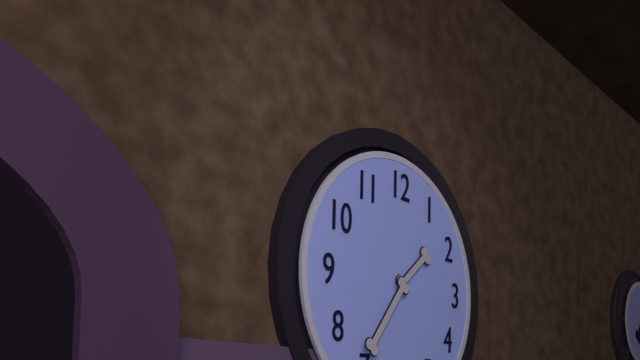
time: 1:36
